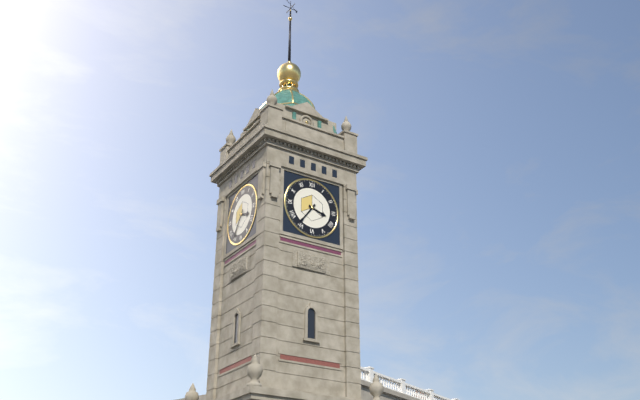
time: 3:36
